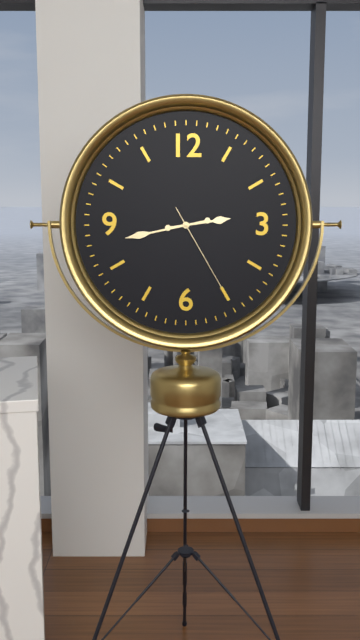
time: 2:43:25
